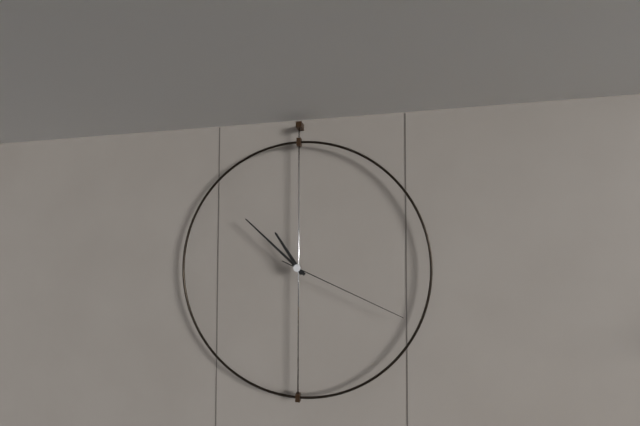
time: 10:52:19
